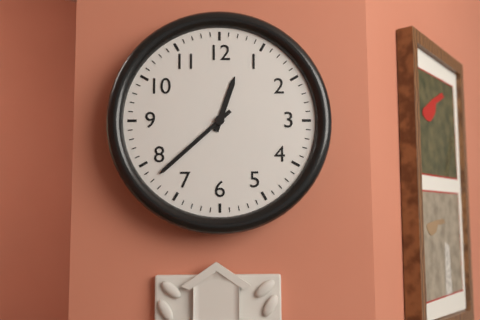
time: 12:38
